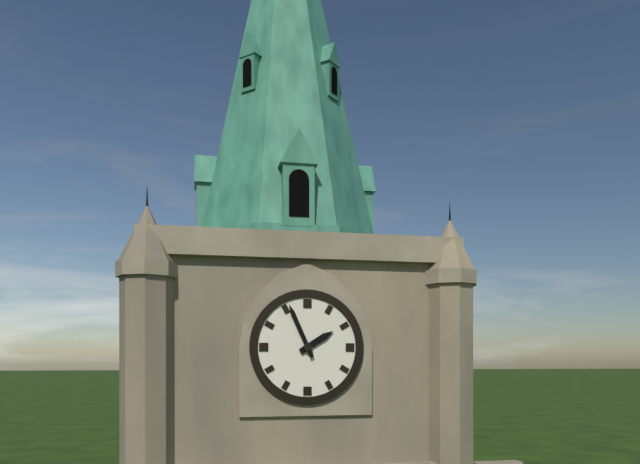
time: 1:56
